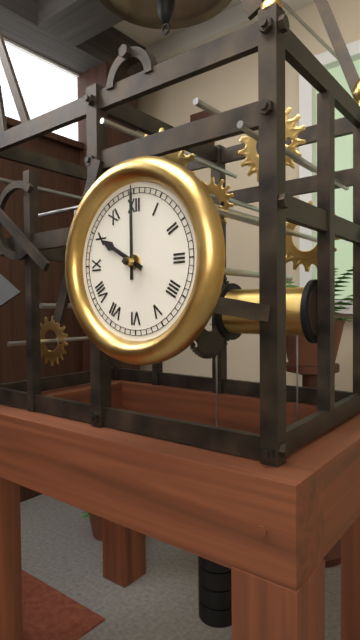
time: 10:00
